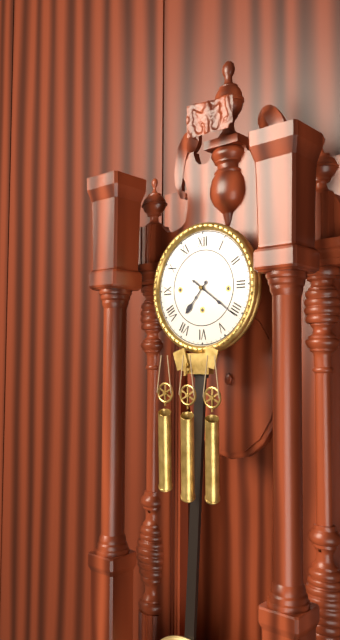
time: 7:21
